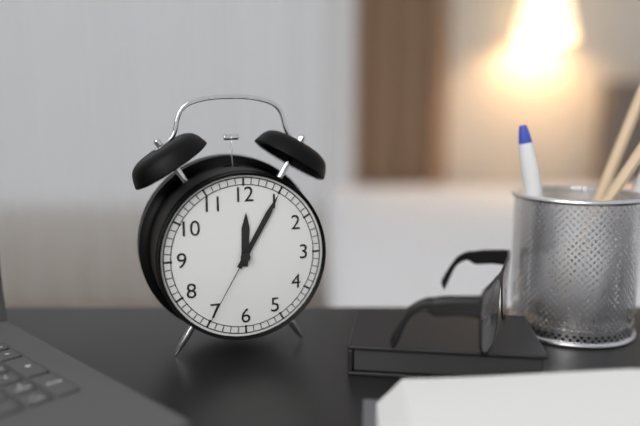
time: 12:05:35
